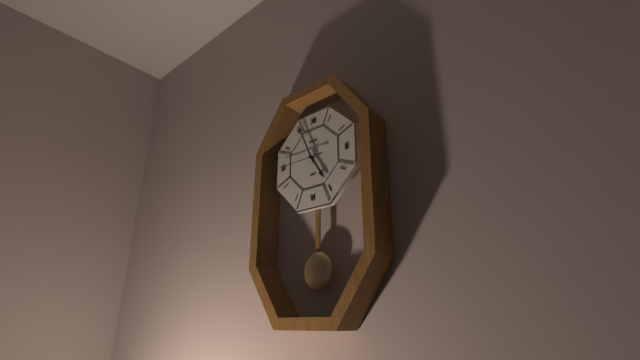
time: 4:56:45
